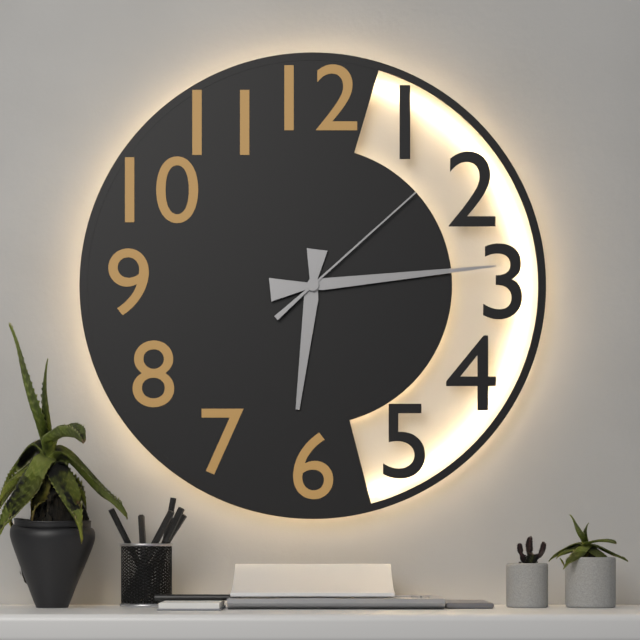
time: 6:14:08
